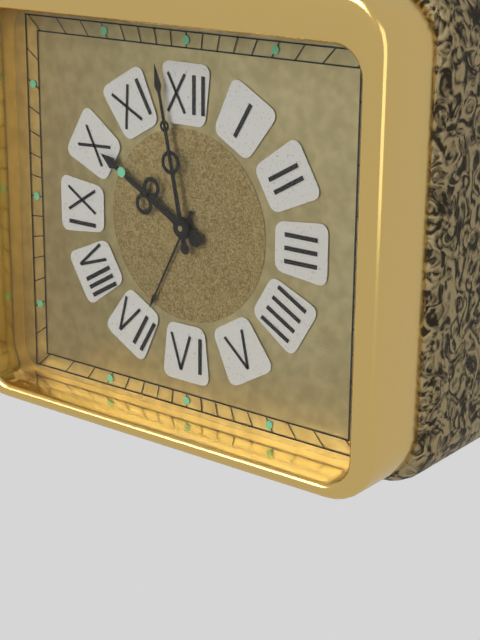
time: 9:58
